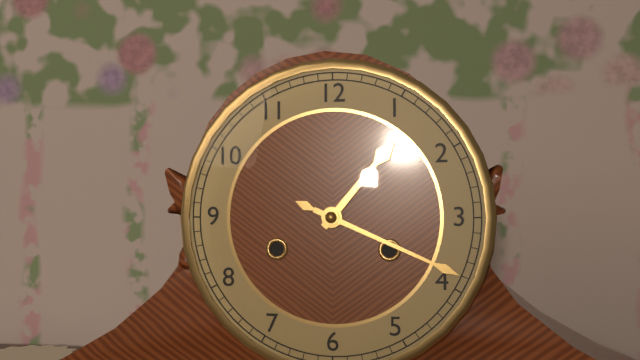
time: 1:19
